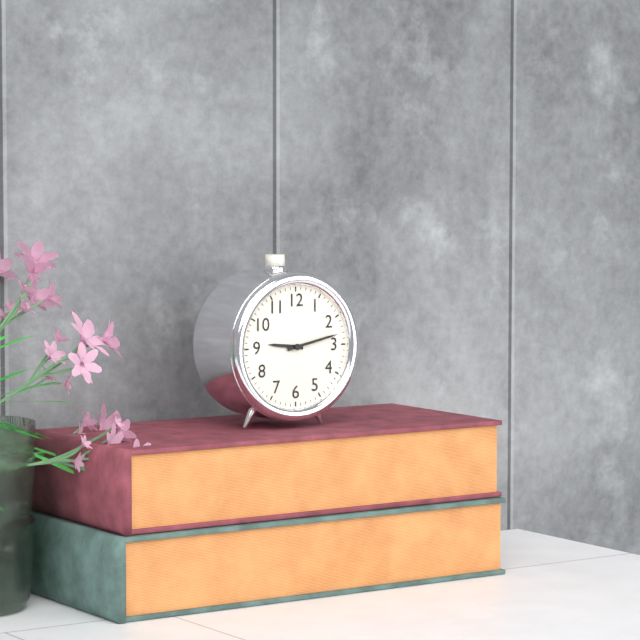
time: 9:13
